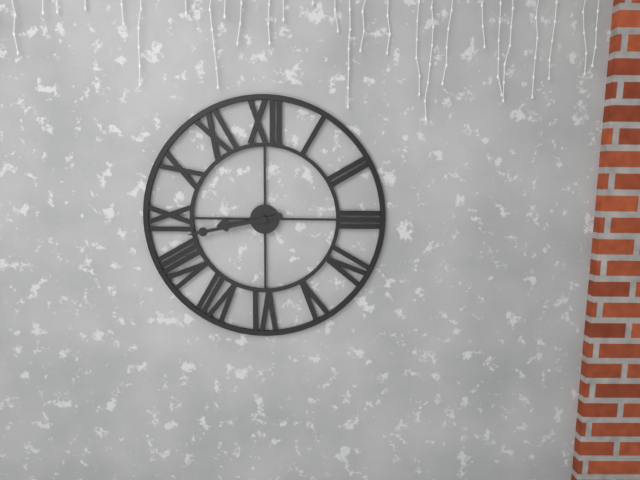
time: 8:43
